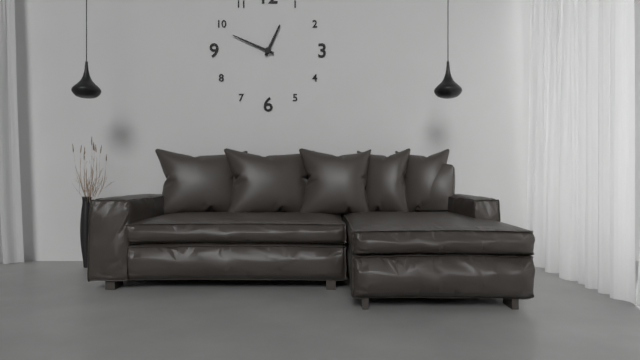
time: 12:49
